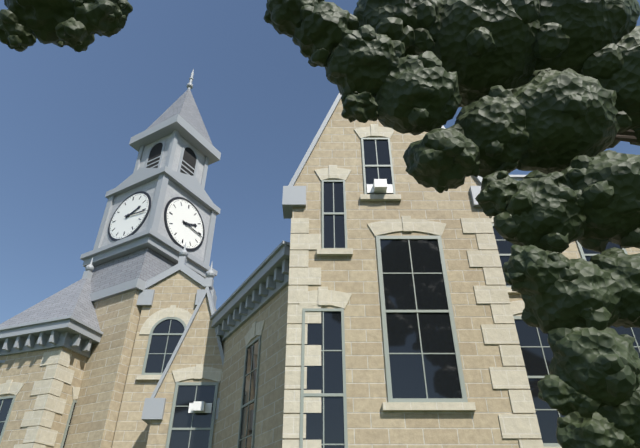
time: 2:16
